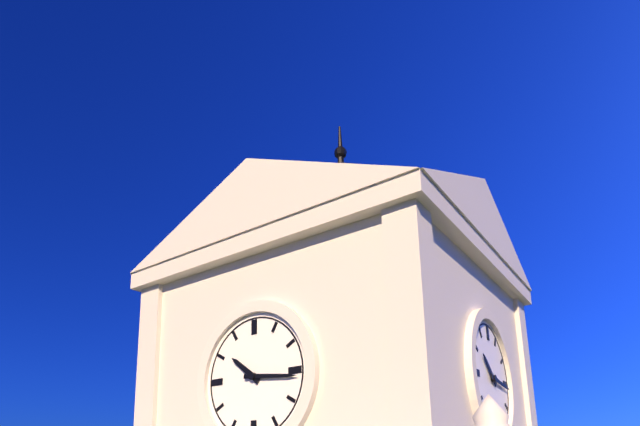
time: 10:16
